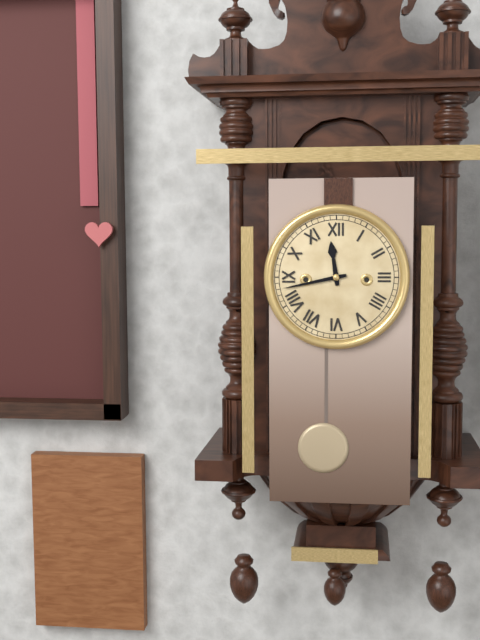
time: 11:43
